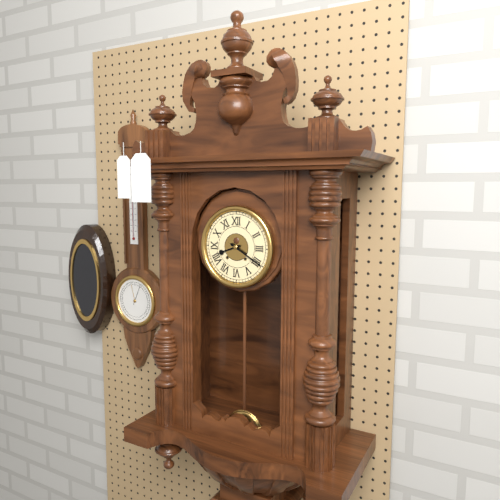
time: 8:20
